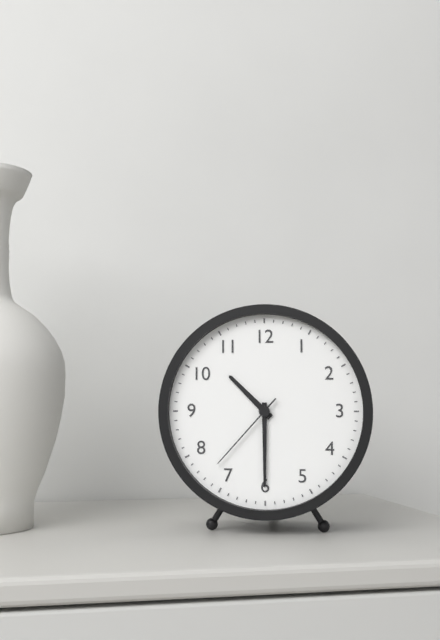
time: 10:30:37
